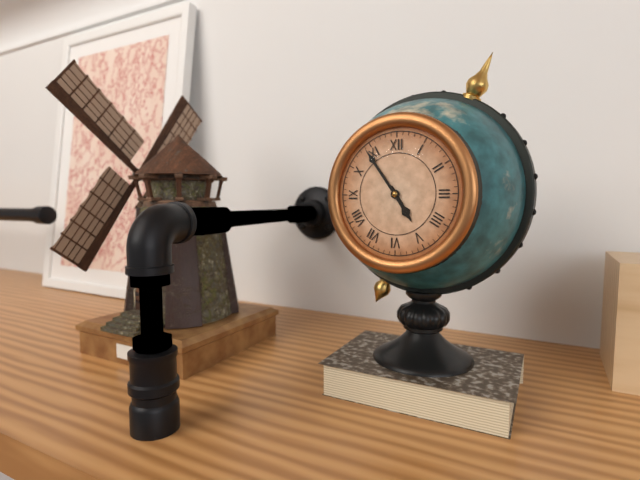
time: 4:54
